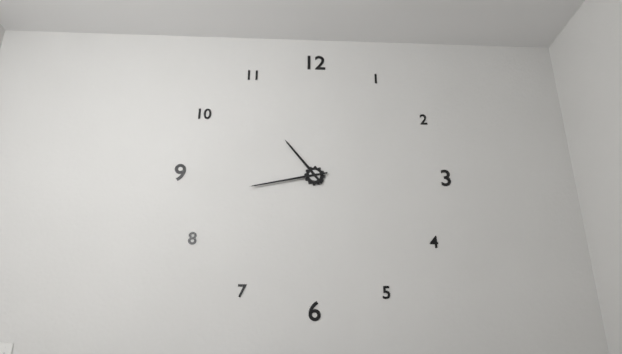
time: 10:43
